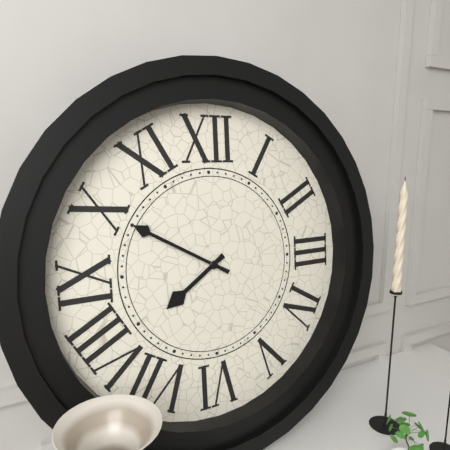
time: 7:50
